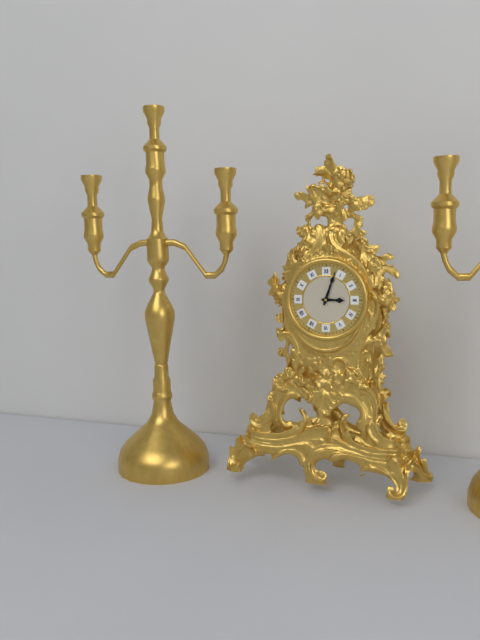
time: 3:03
